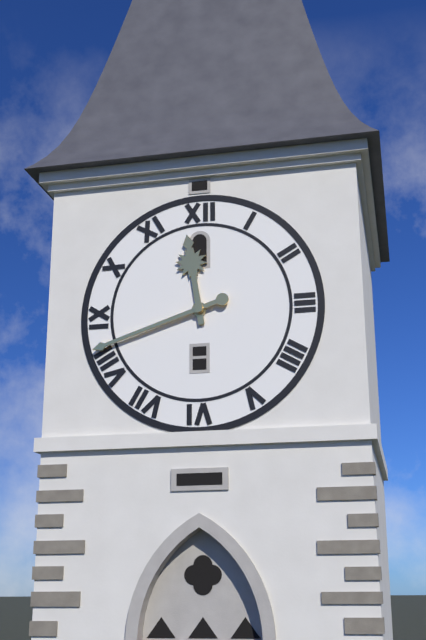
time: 11:42
